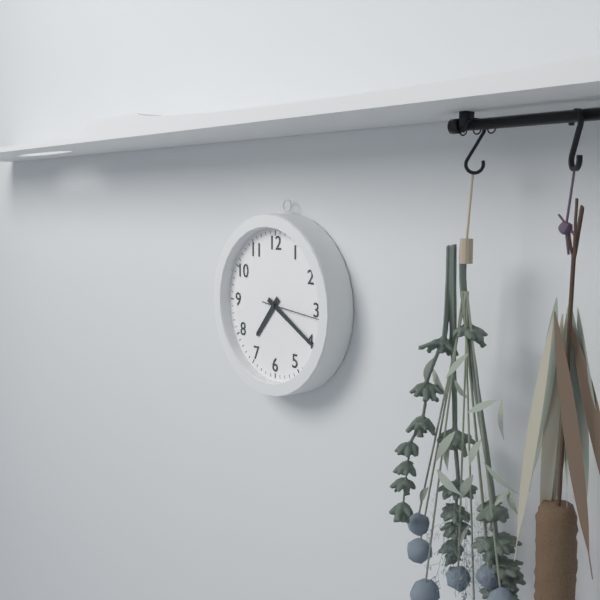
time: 7:20:16
